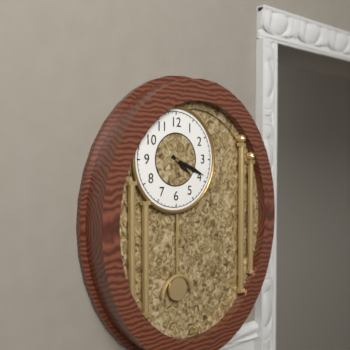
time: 4:19
